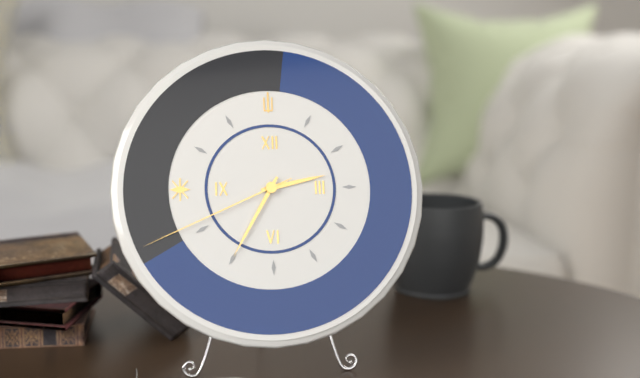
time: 2:35:41
